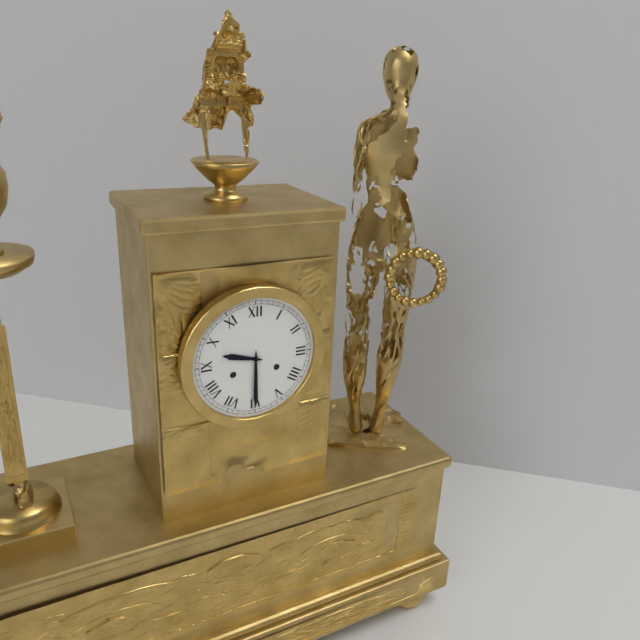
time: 9:30
